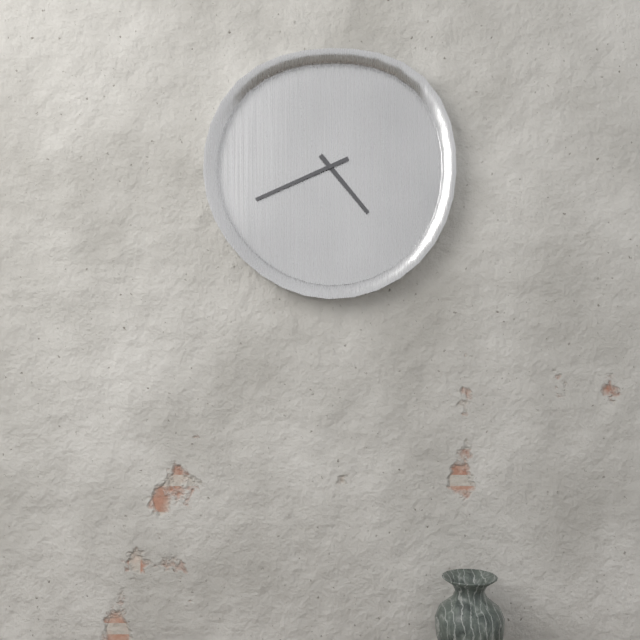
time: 4:41
